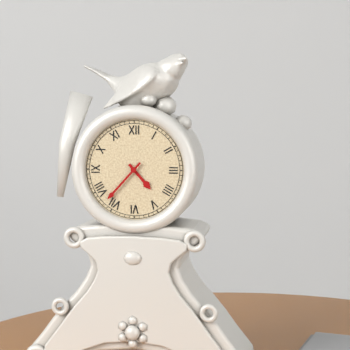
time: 4:37
